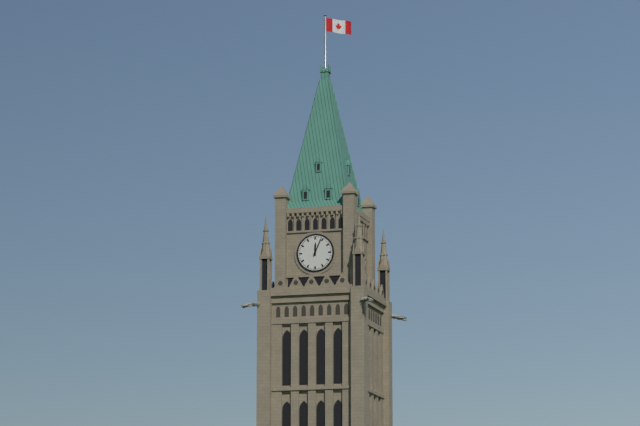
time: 12:04
